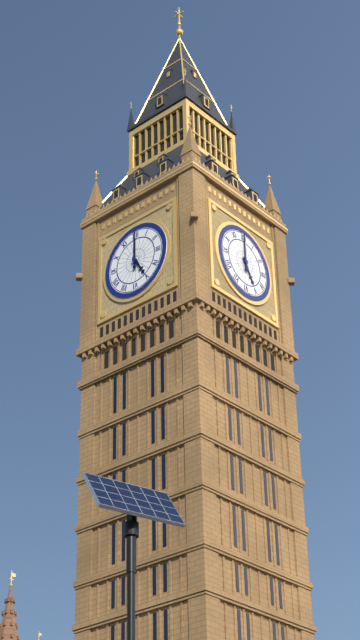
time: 5:00
